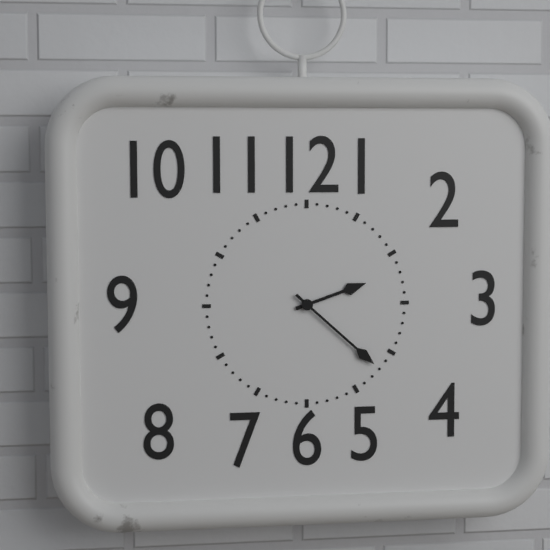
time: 2:22
